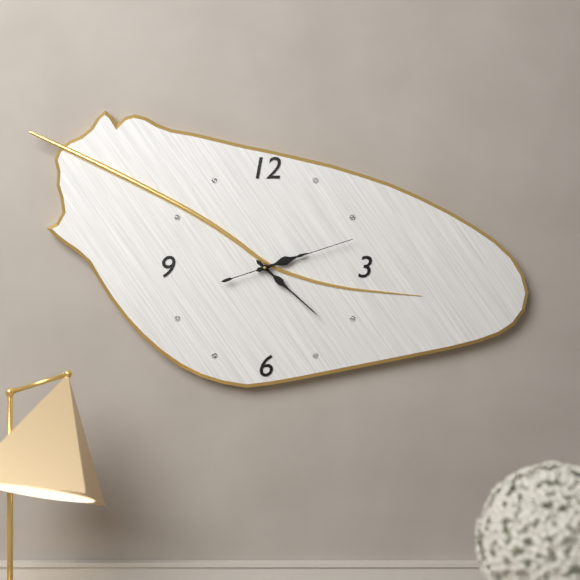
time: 2:22:12
